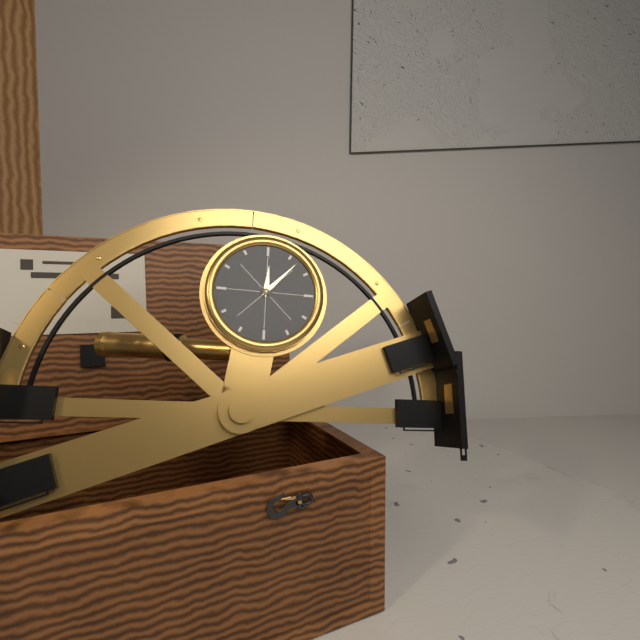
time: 12:07
